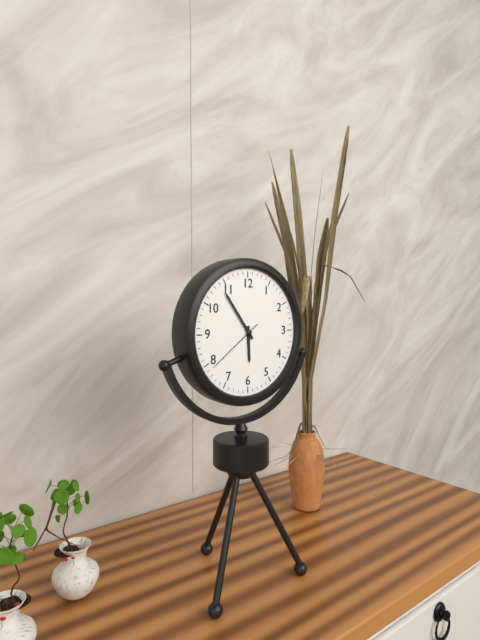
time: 5:54:39
